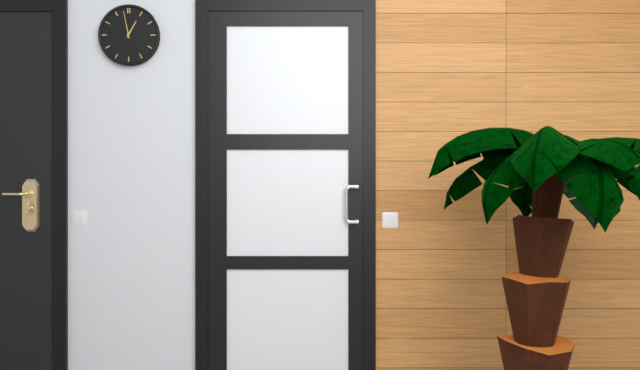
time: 12:58
